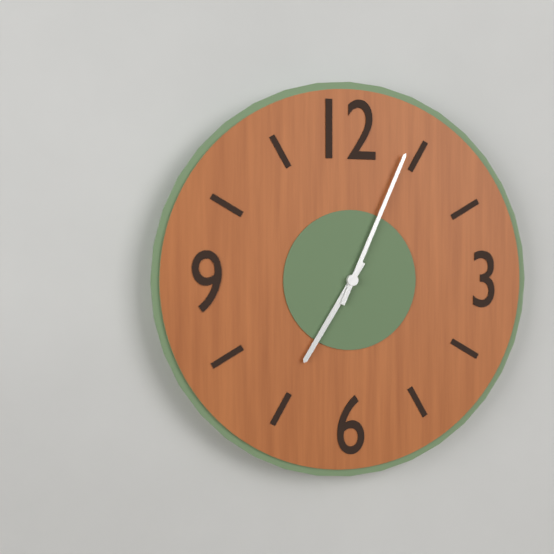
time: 7:04
